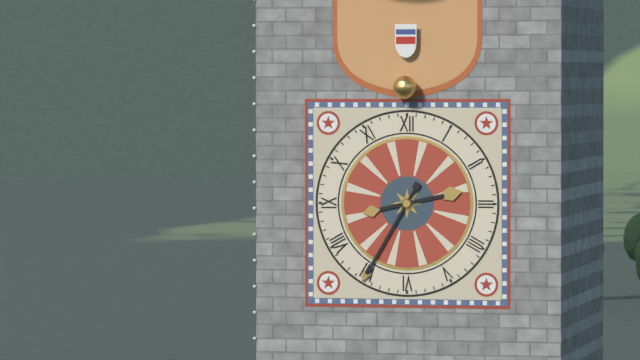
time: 2:35
